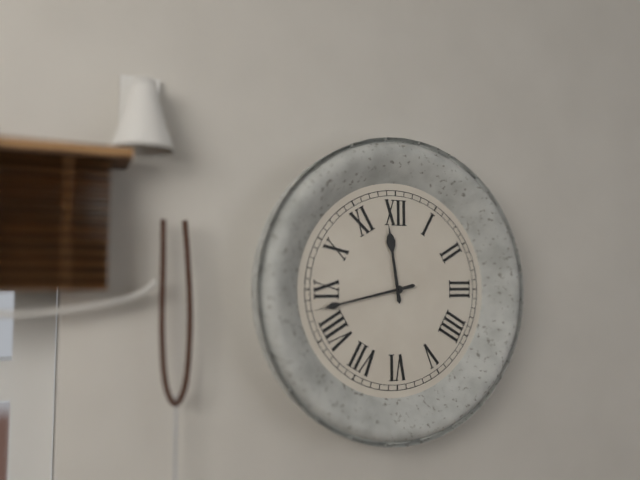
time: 11:43
